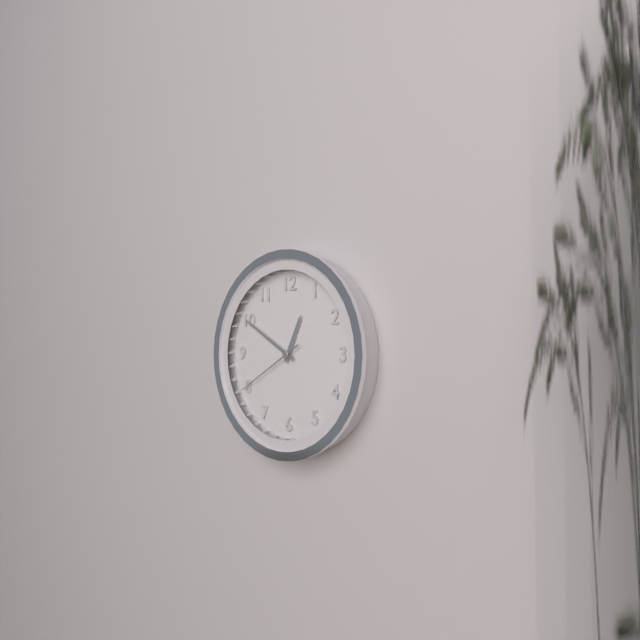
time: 12:50:40
